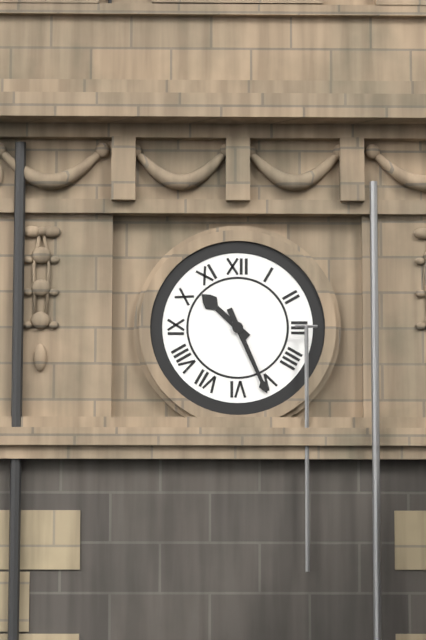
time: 10:26
